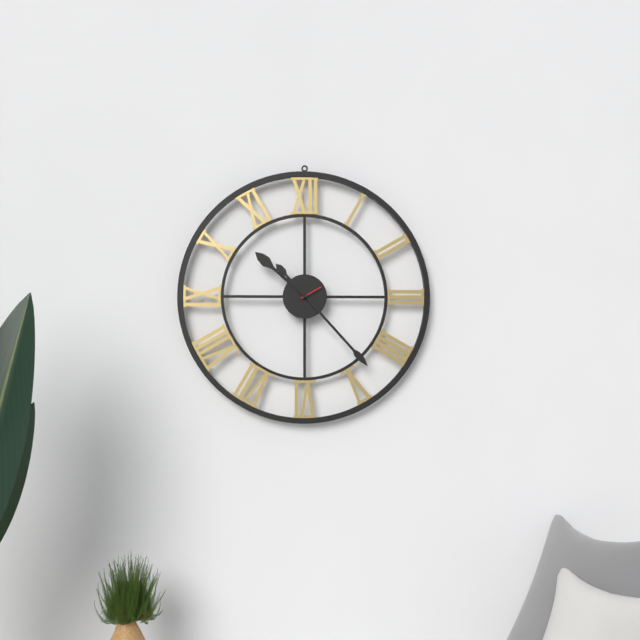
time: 10:23
